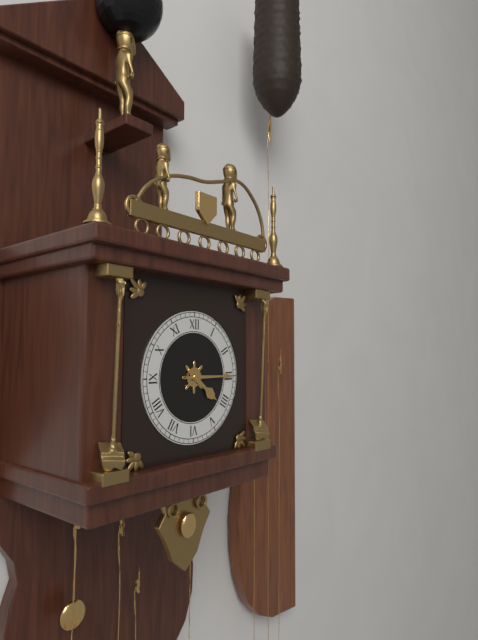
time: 4:15
